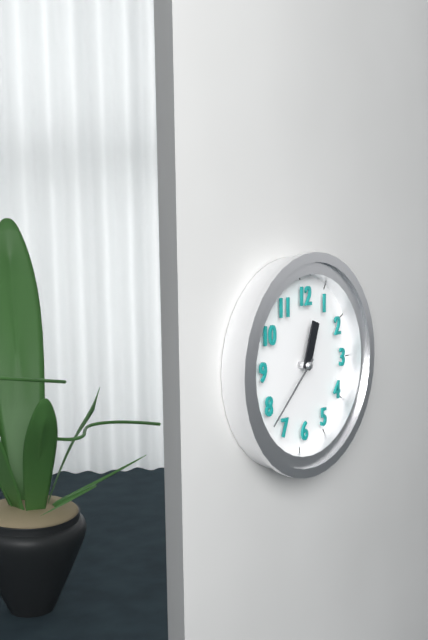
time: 12:38
